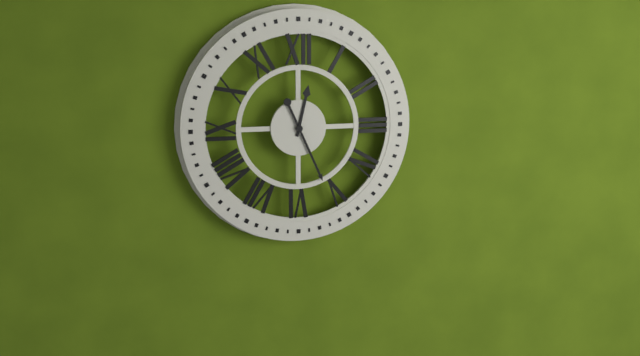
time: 12:26
